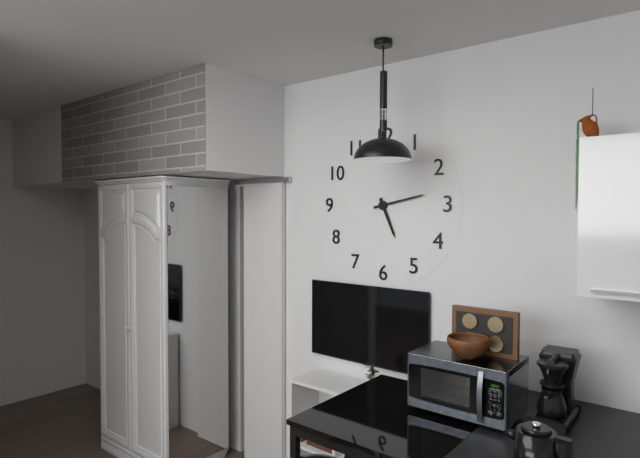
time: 5:13
